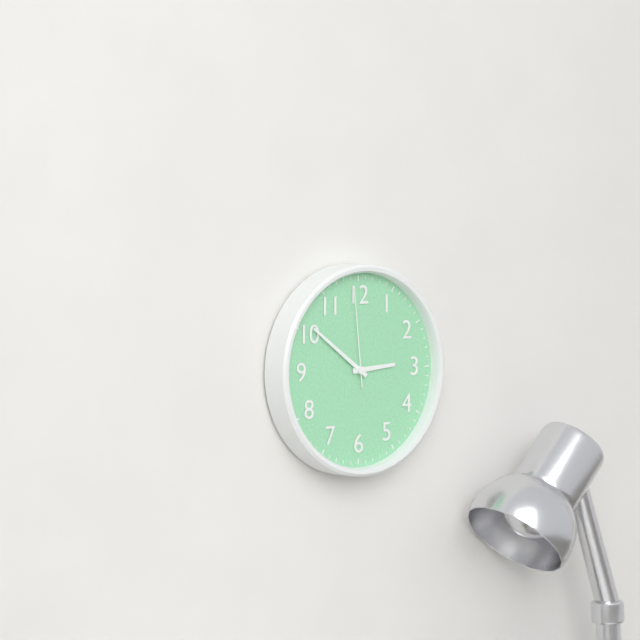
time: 2:51:59
